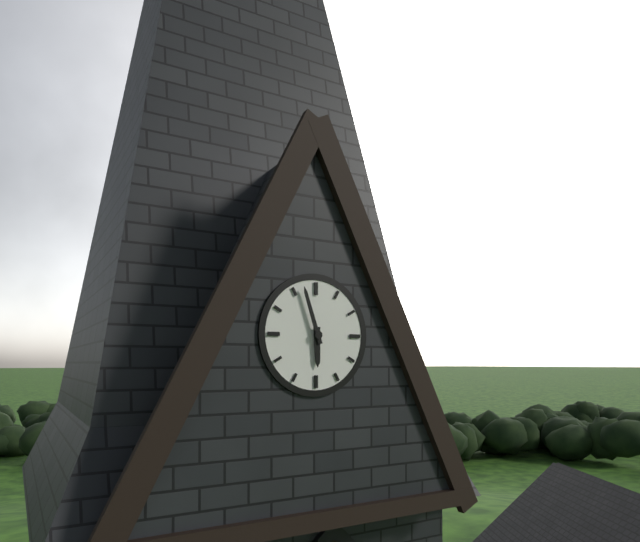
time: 5:57
